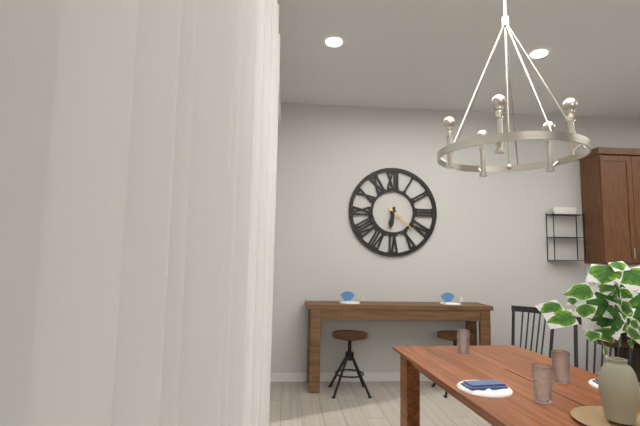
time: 6:22
